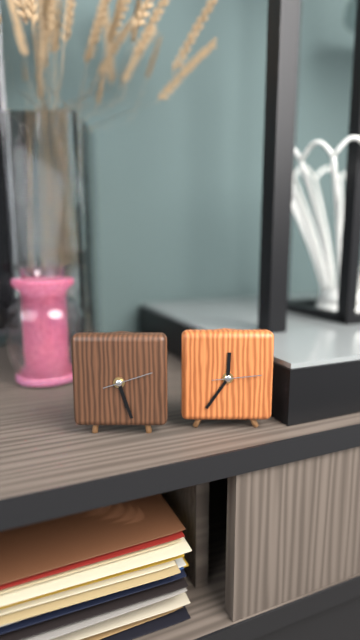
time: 5:27
